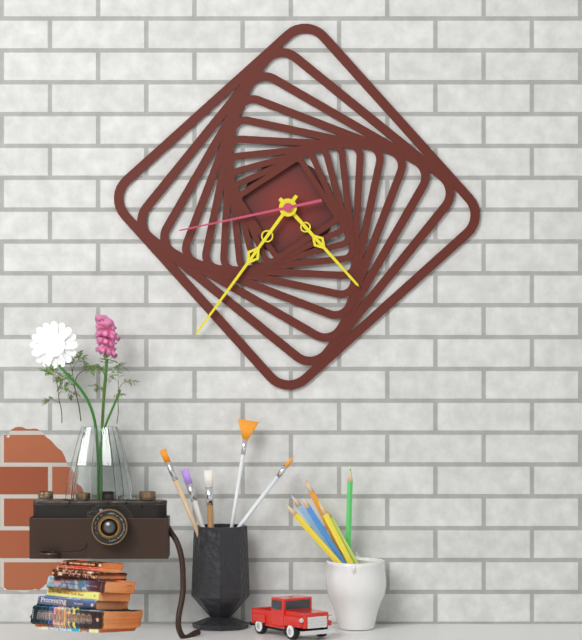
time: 4:36:43
